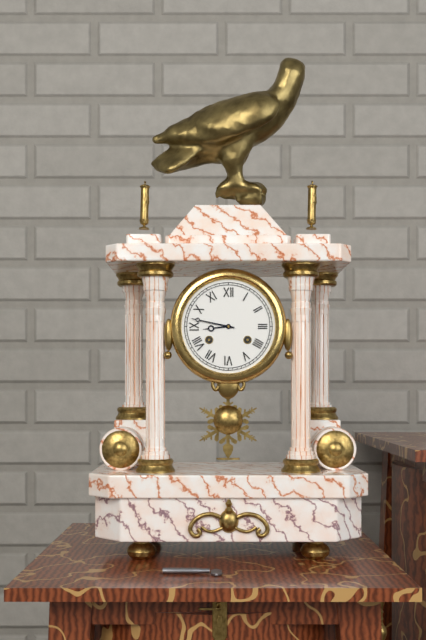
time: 8:47
